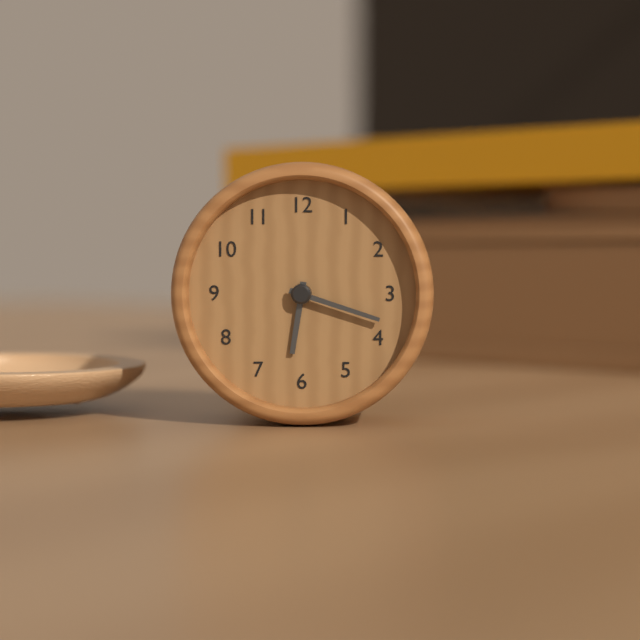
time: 6:18
